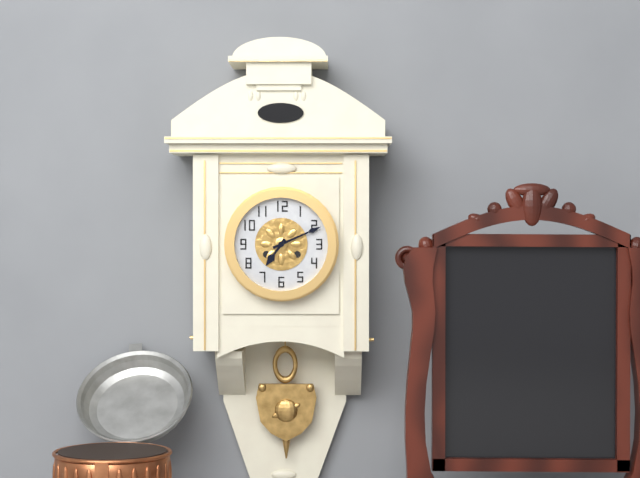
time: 7:11
